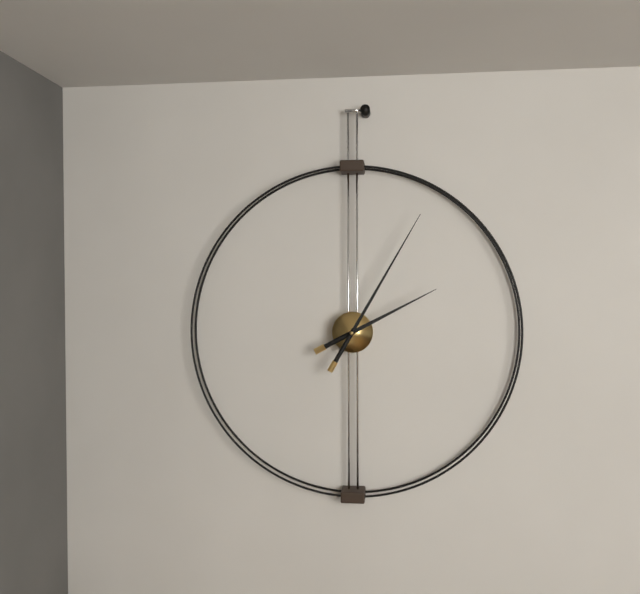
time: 2:05
